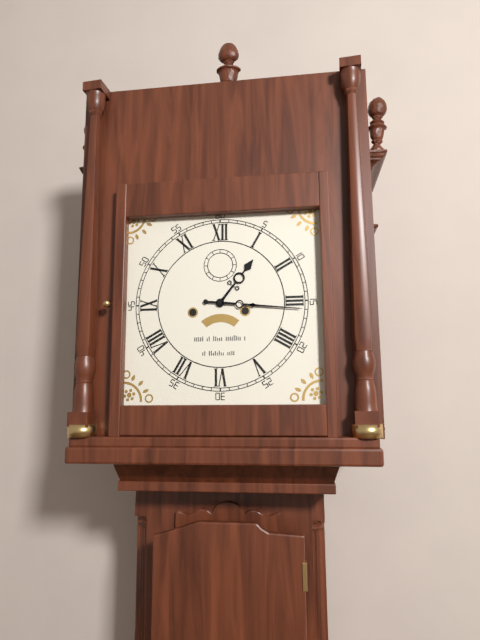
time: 1:16
